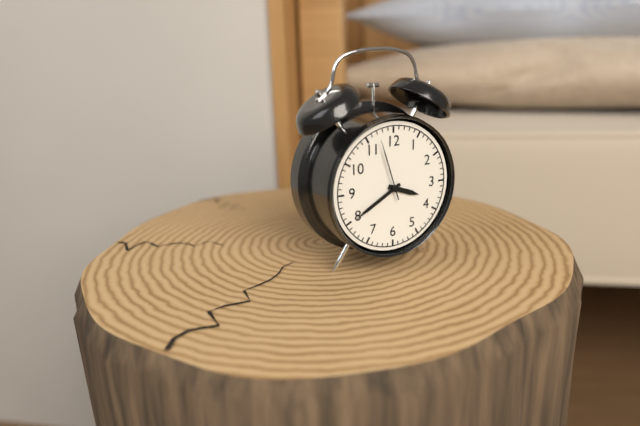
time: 3:40:57
